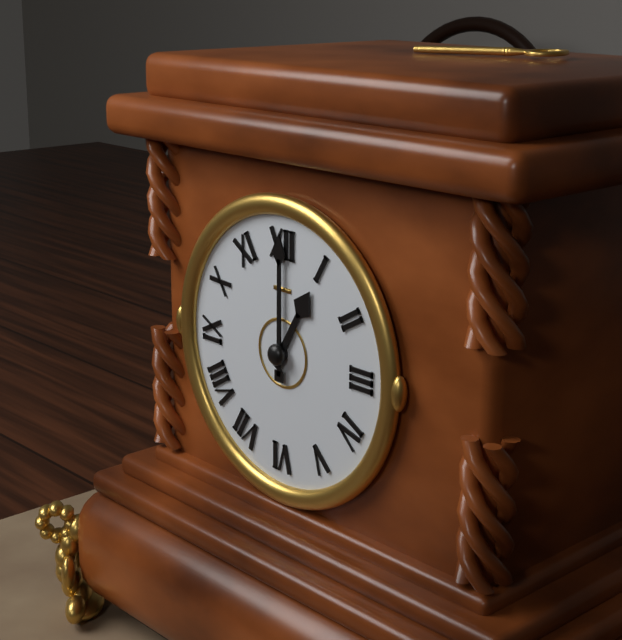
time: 1:00
